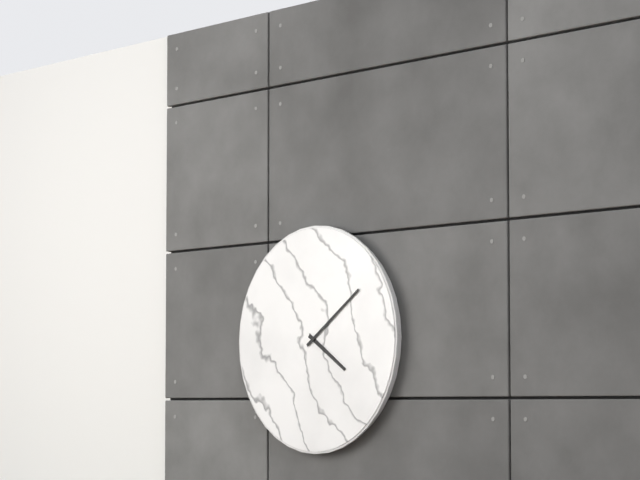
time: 4:09
